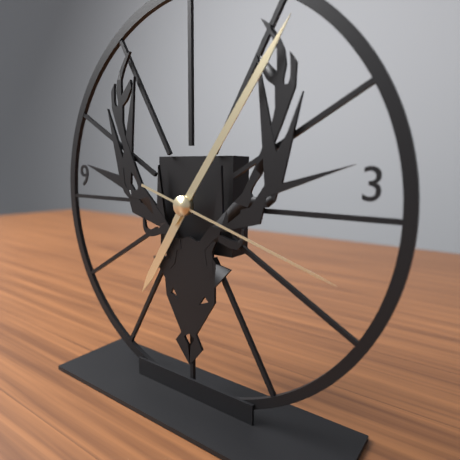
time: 7:06:18
